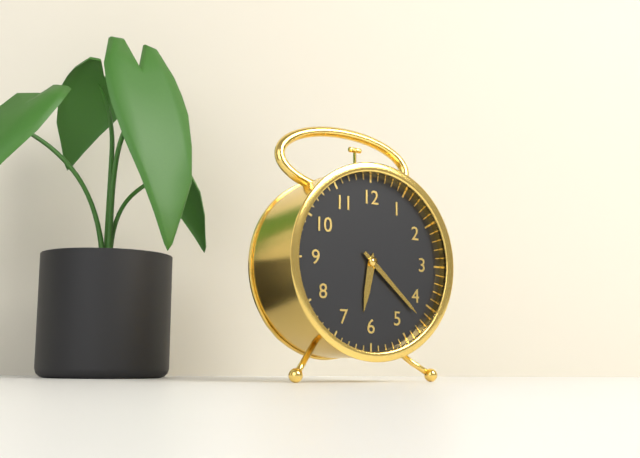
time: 6:22
